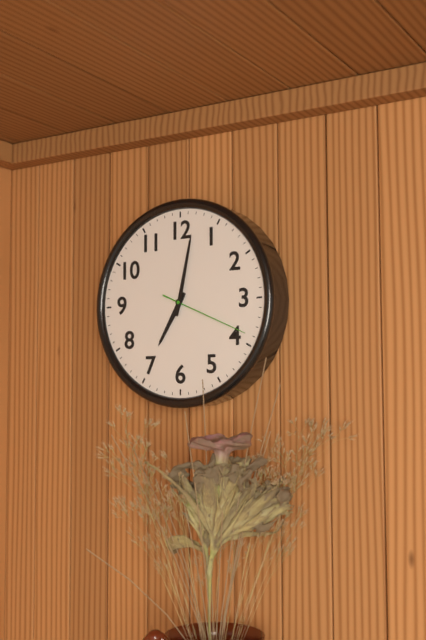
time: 7:02:19
